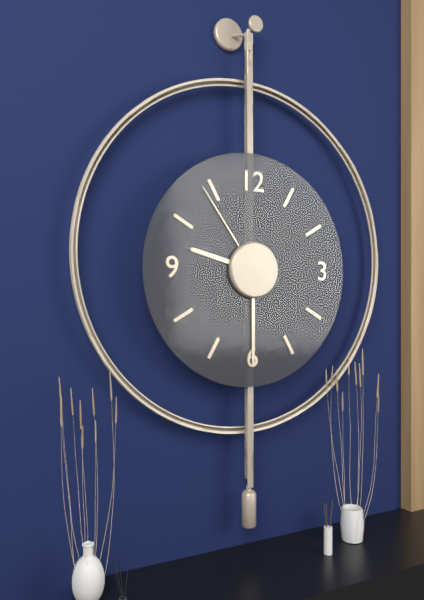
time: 9:30:54
